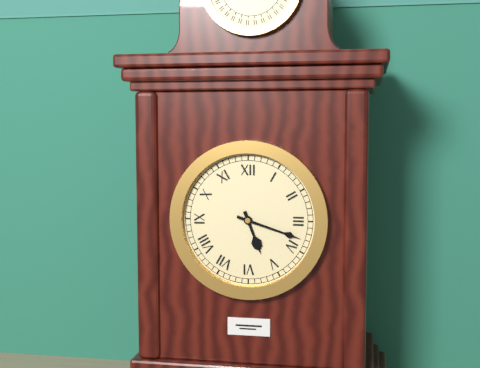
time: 5:18
